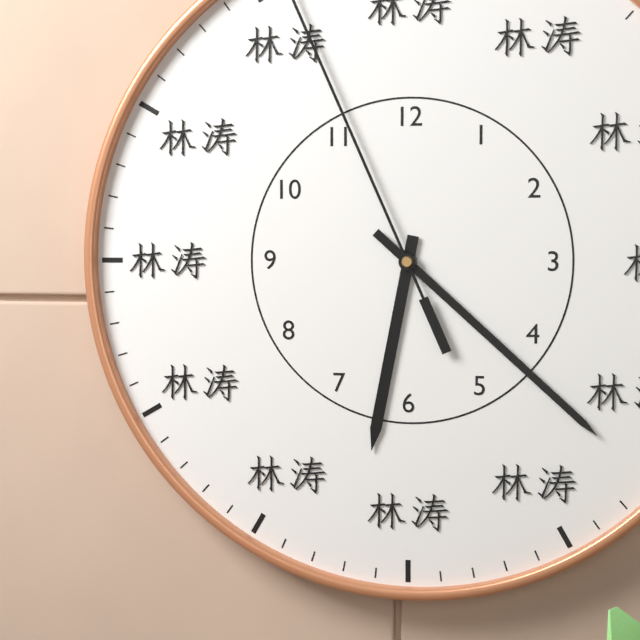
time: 6:22
